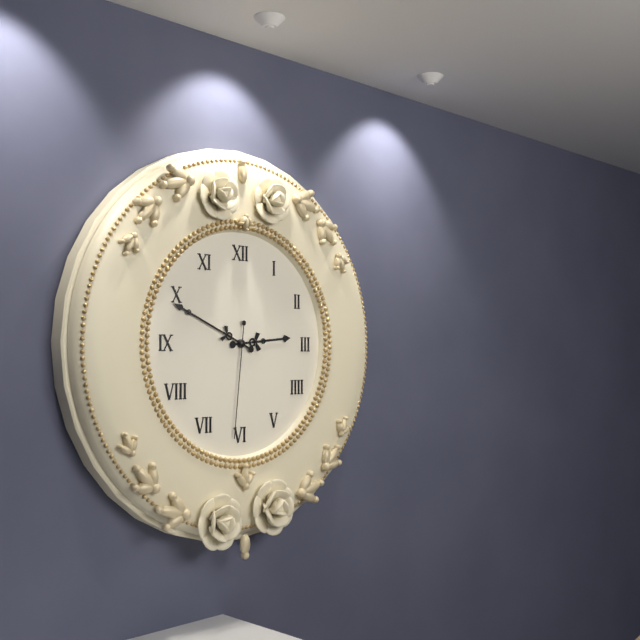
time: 2:49:31
